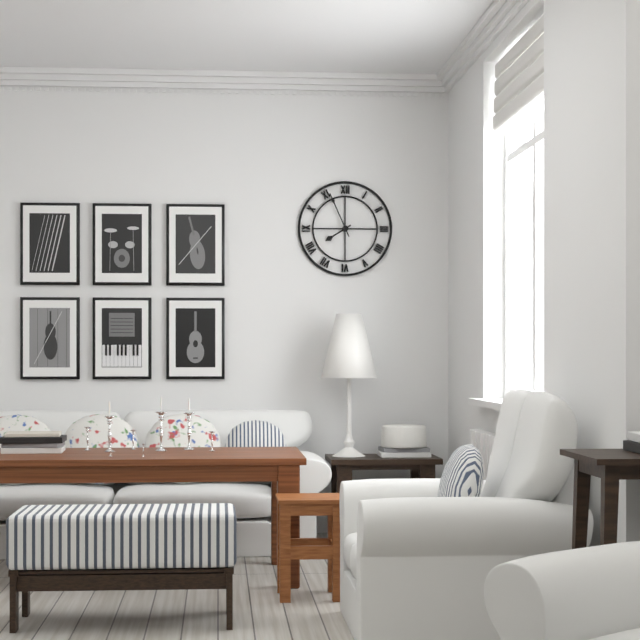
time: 7:56
